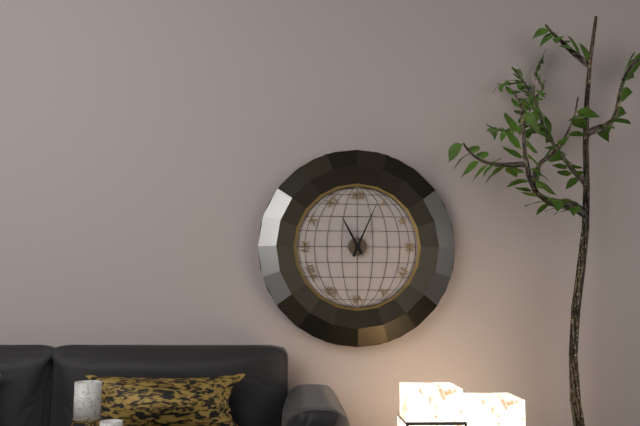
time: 11:04
